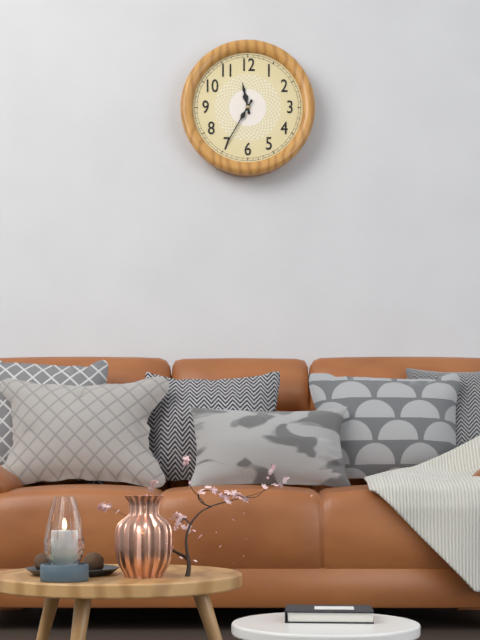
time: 11:35
